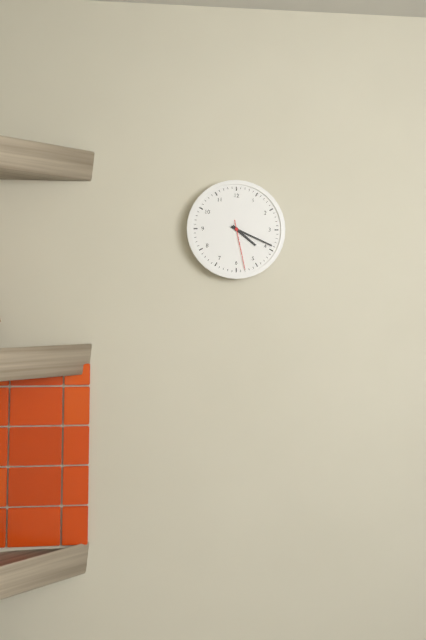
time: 4:19:28
